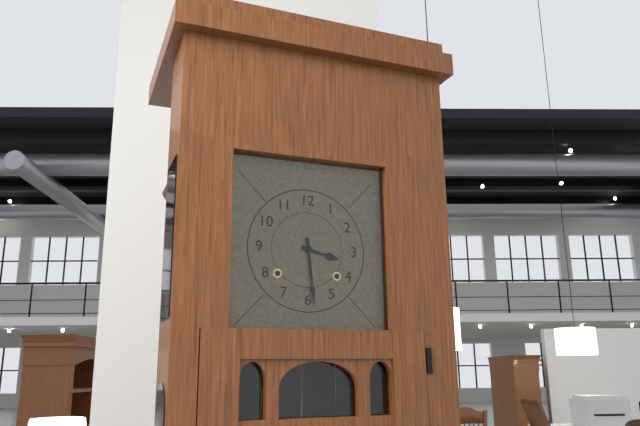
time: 3:29
